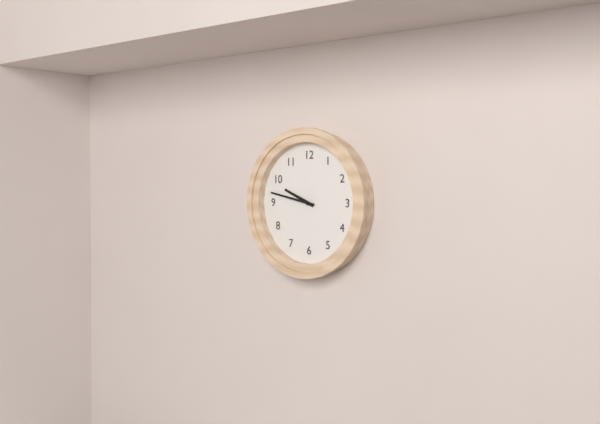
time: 9:47
